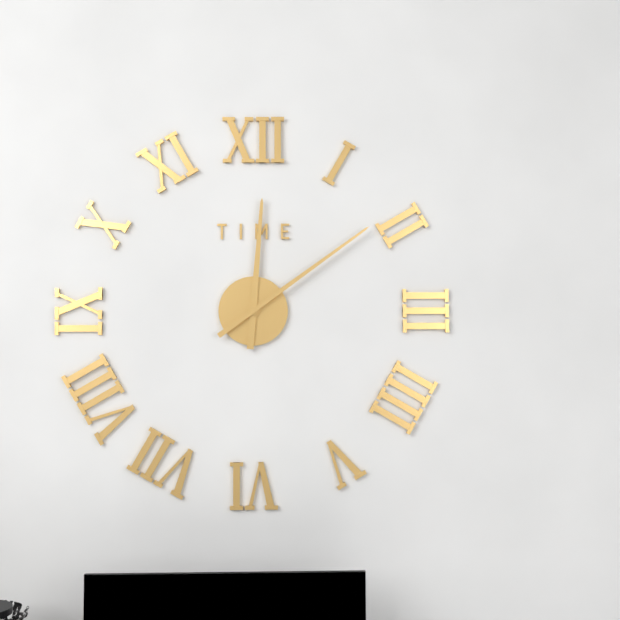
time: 12:09
